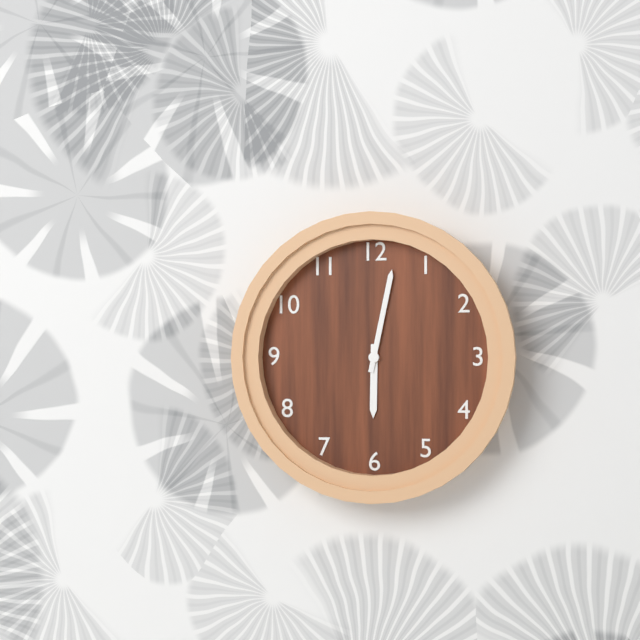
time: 6:02
